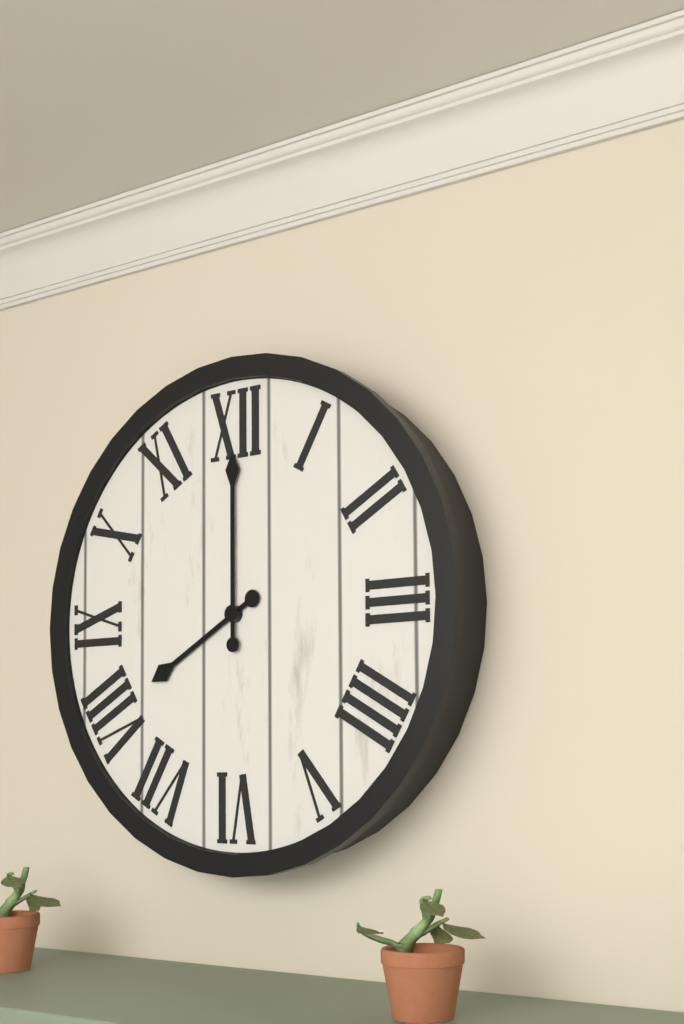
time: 8:00
